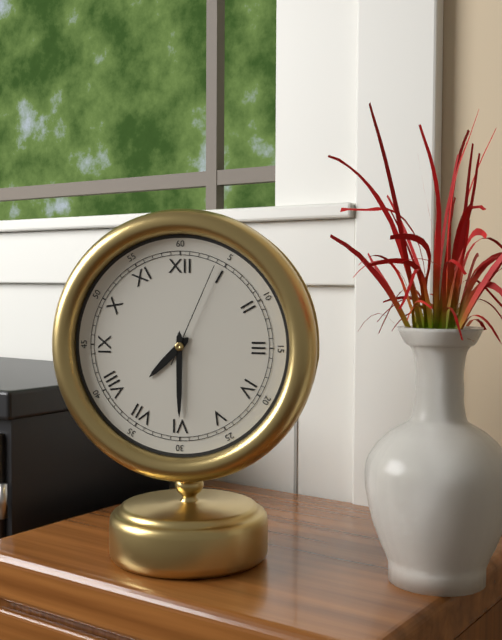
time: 7:30:04
